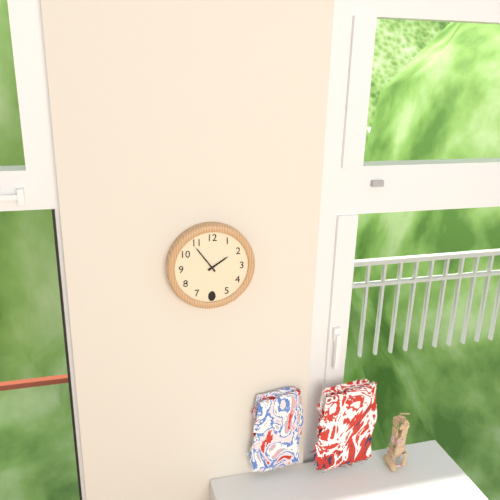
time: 1:54
